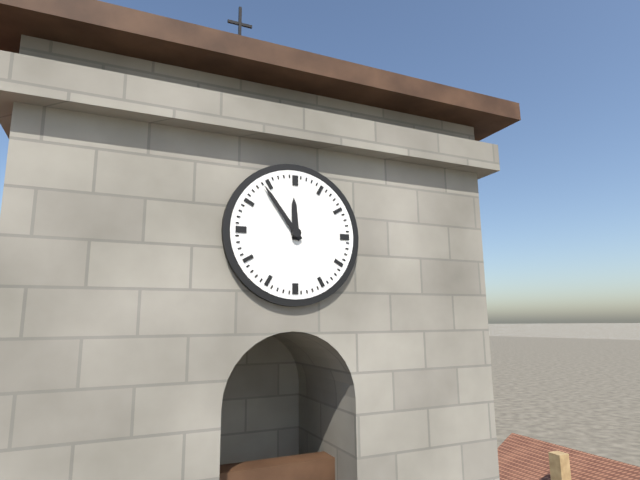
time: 11:54
